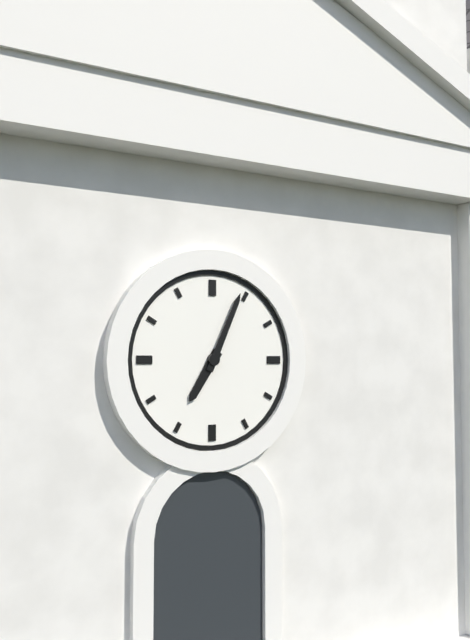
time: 7:04
